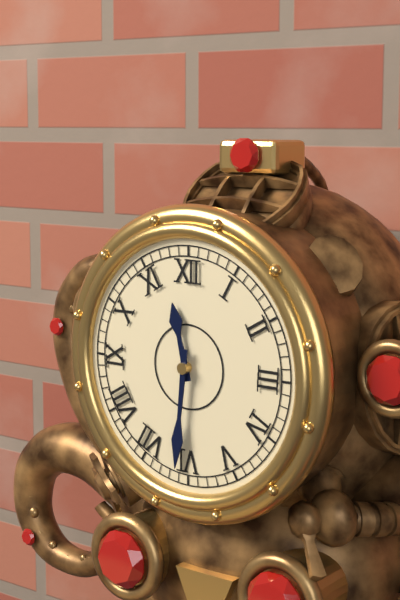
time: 11:31
